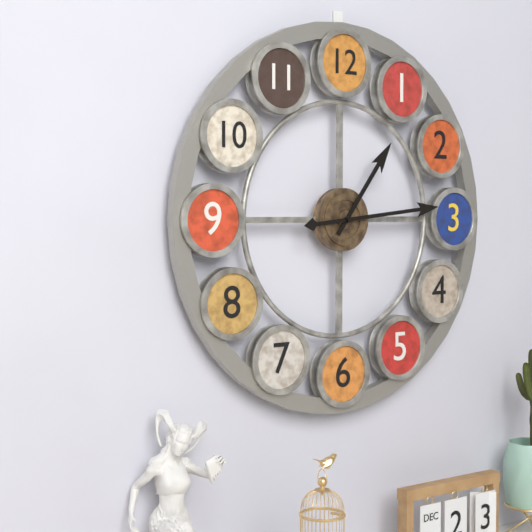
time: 1:14
